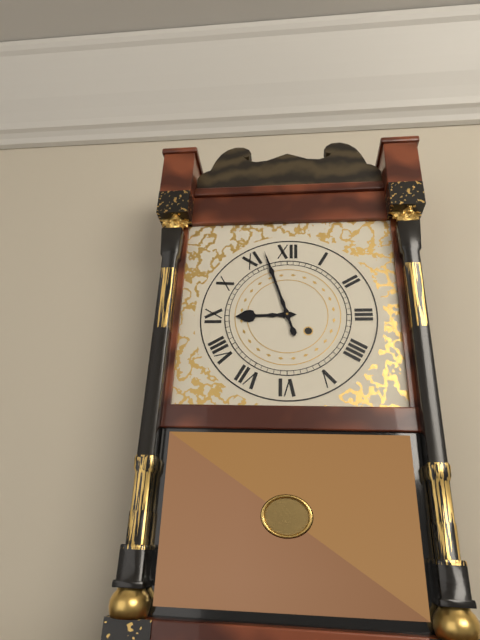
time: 8:57
